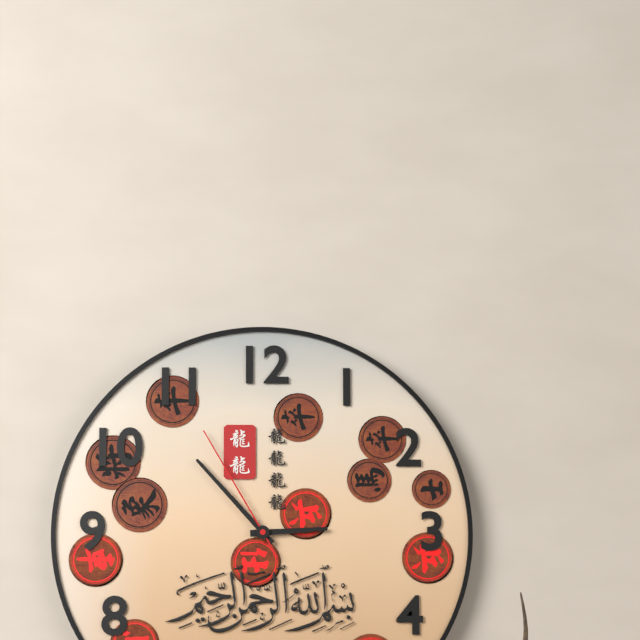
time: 2:53:55
